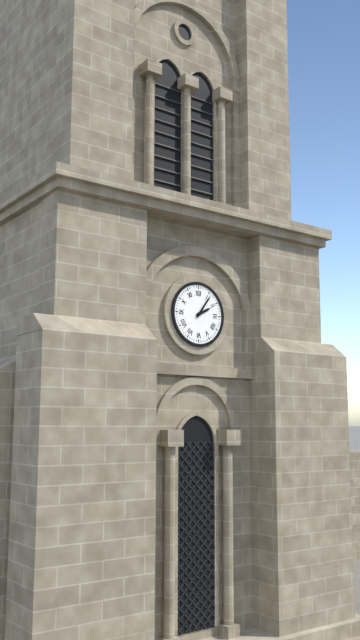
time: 2:06
